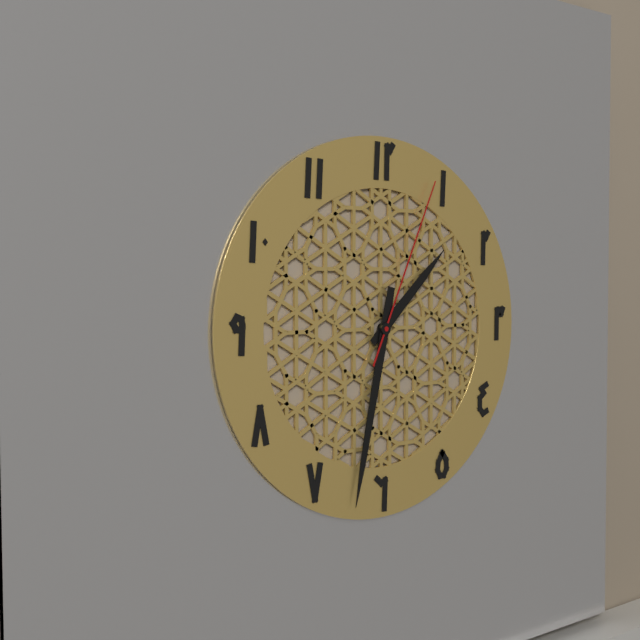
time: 1:32:04
